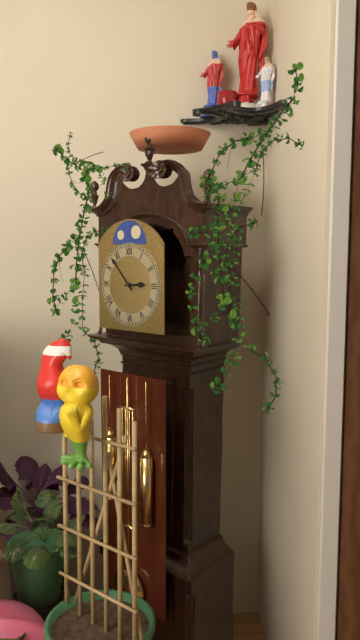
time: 2:53
